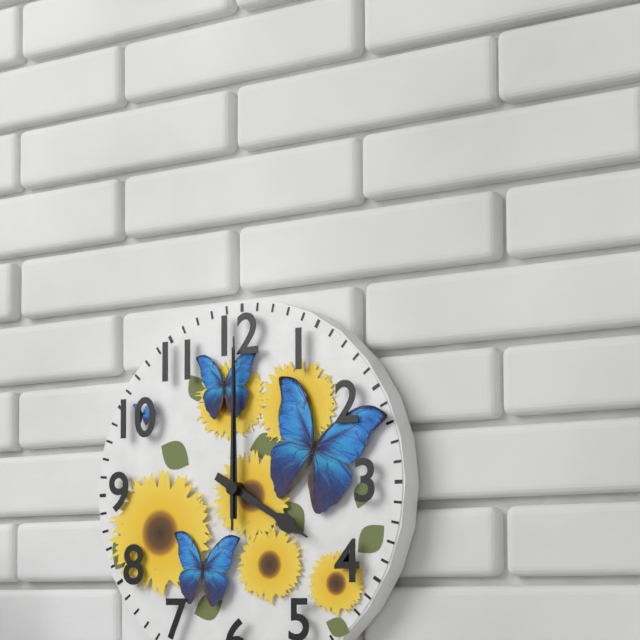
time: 4:00:00
